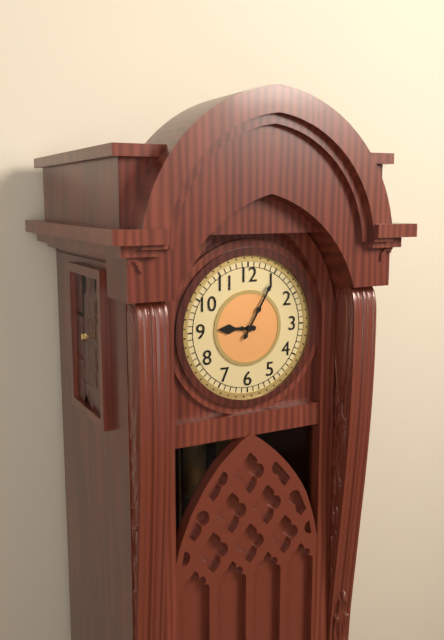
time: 9:05
